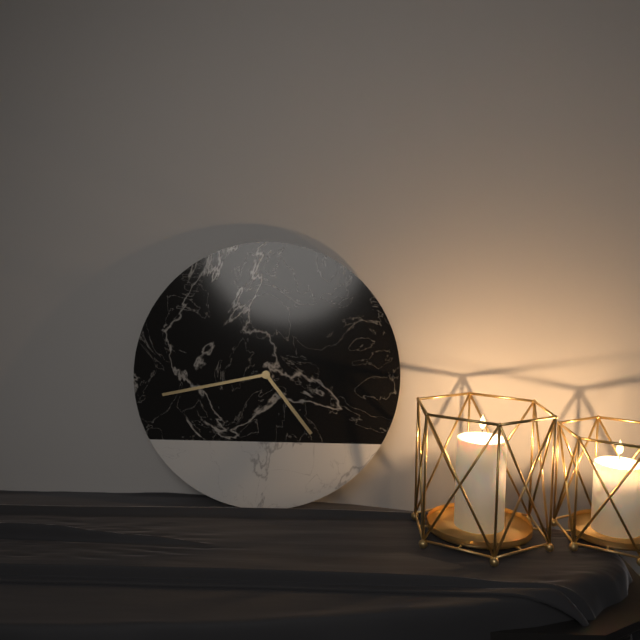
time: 4:43
